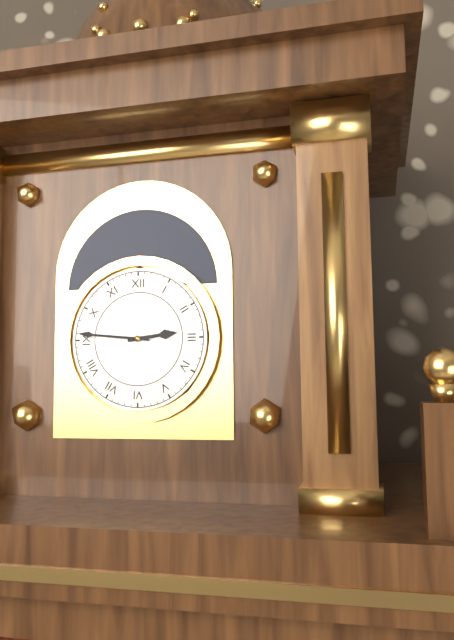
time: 2:46
